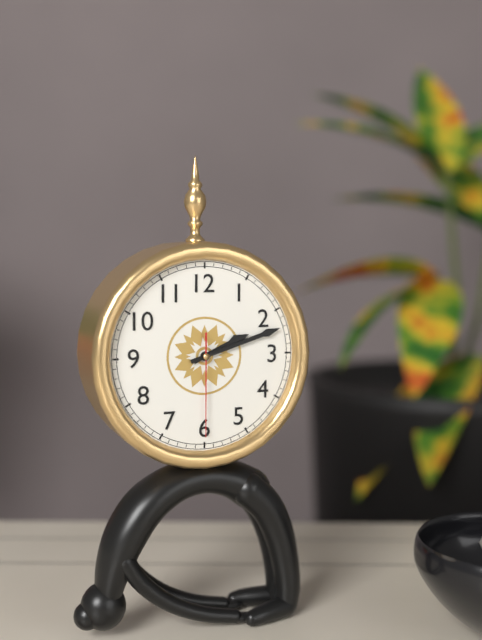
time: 2:12:30
